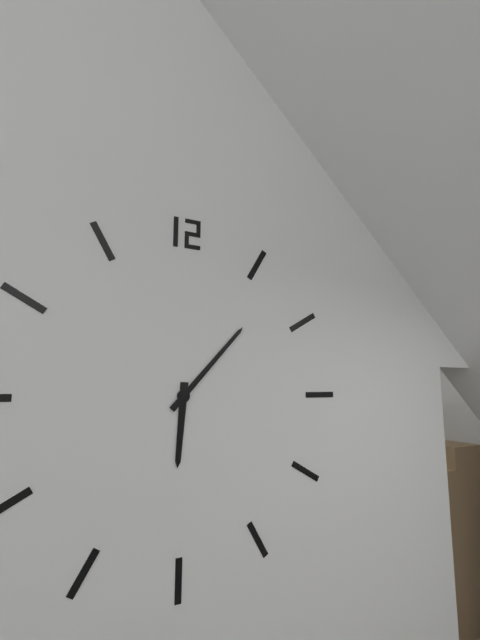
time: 6:07
